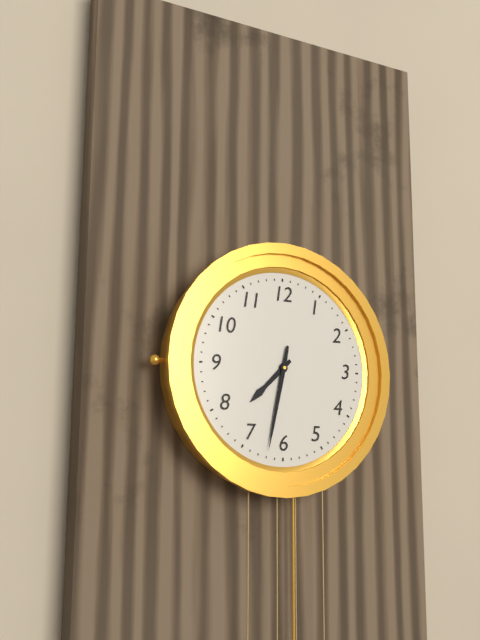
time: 7:32
